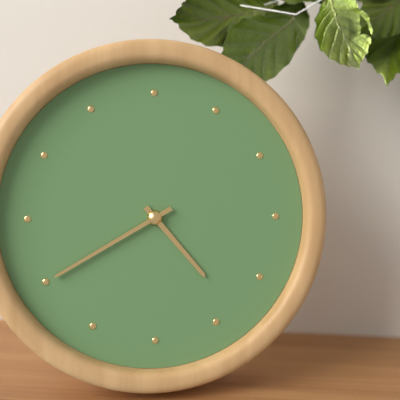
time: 4:40
